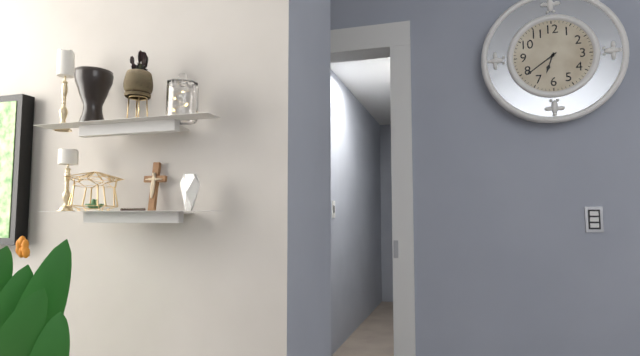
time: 6:39
